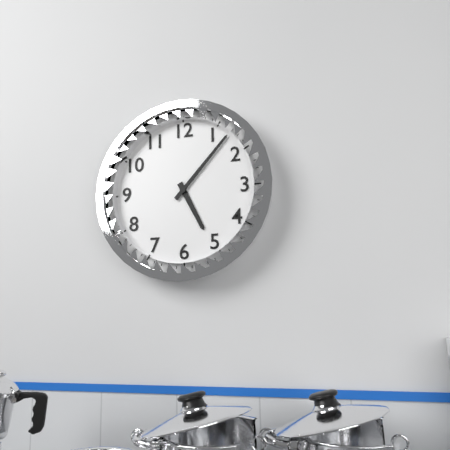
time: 5:07
